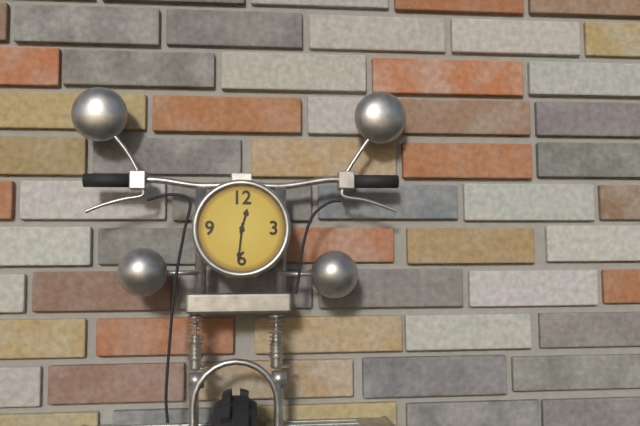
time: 12:31
